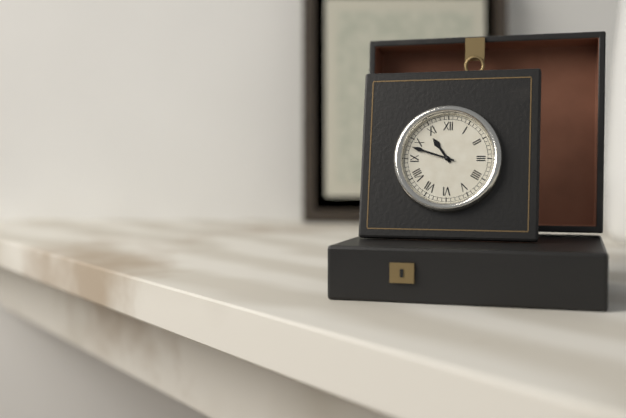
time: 10:48
